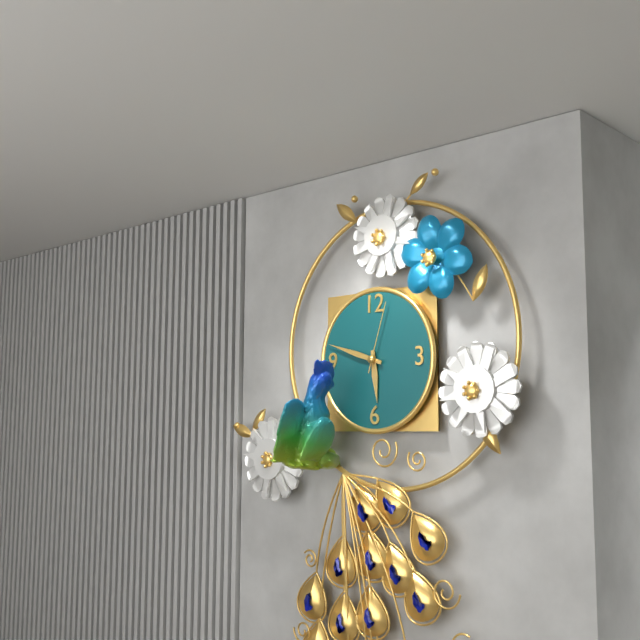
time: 5:48:03
